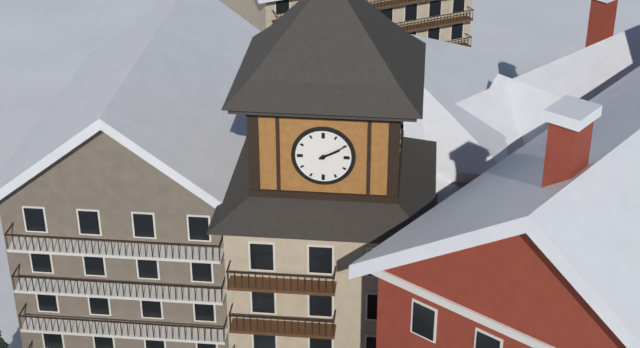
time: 2:10
